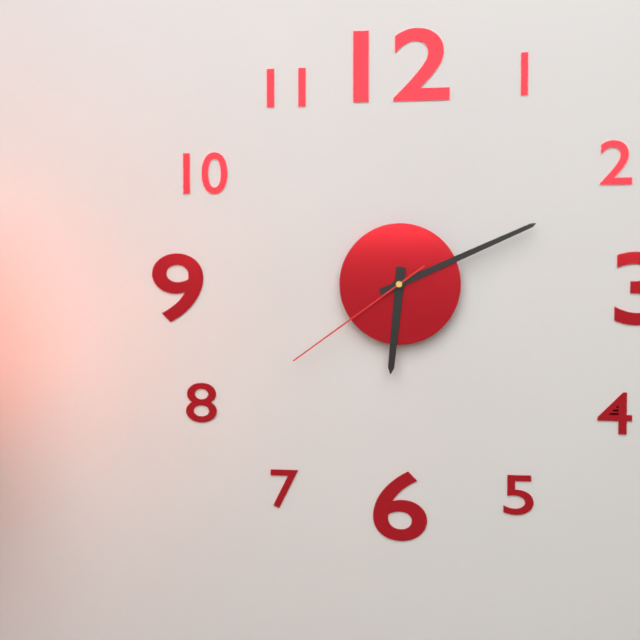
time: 6:11:39
